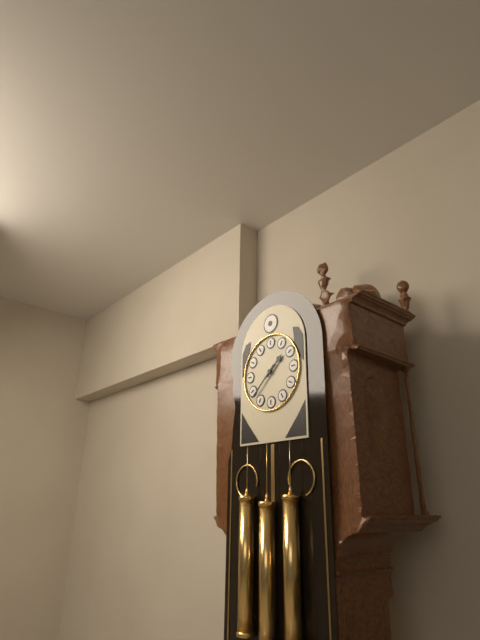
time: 1:38
